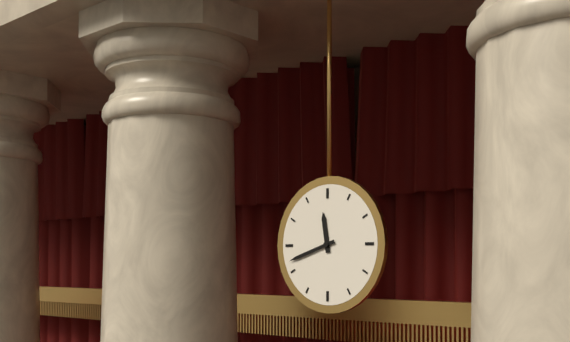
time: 11:42
